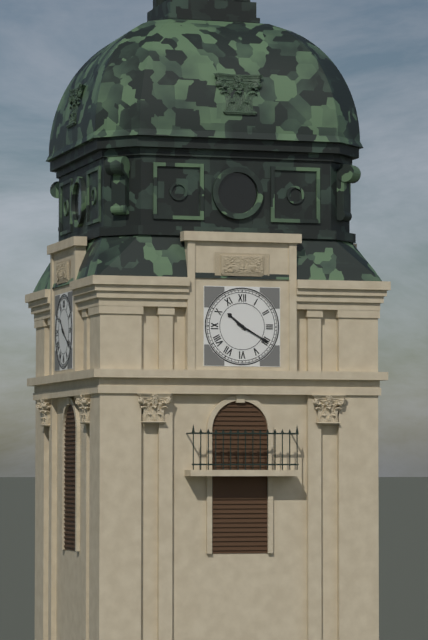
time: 10:20
